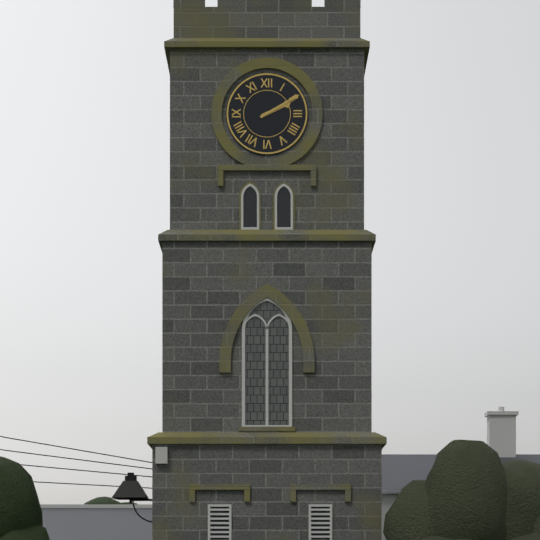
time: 2:10
